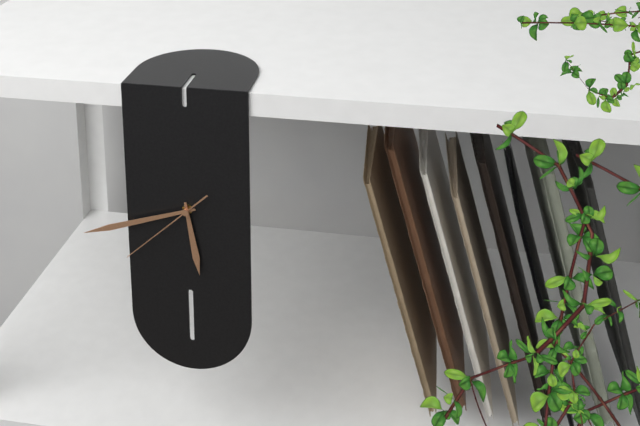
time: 5:42:38
